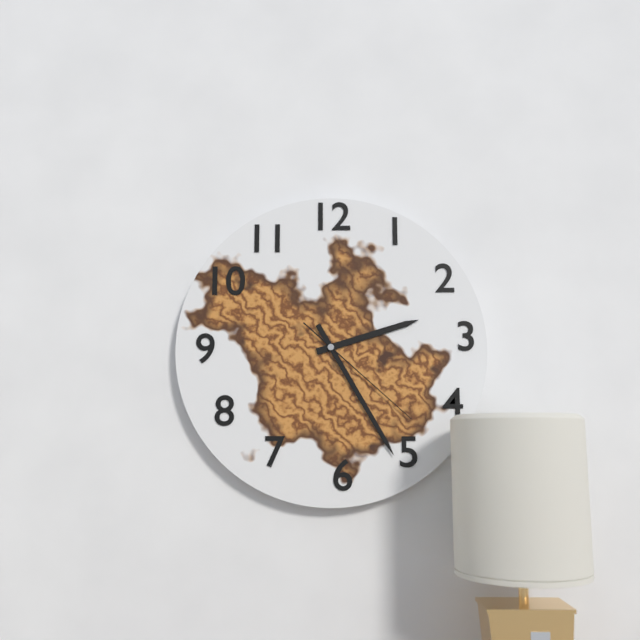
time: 2:25:22
